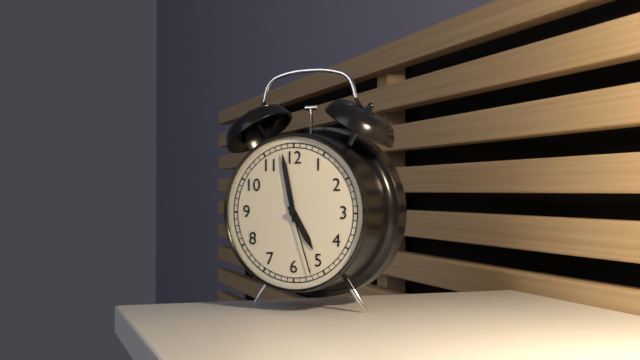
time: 4:58:27
